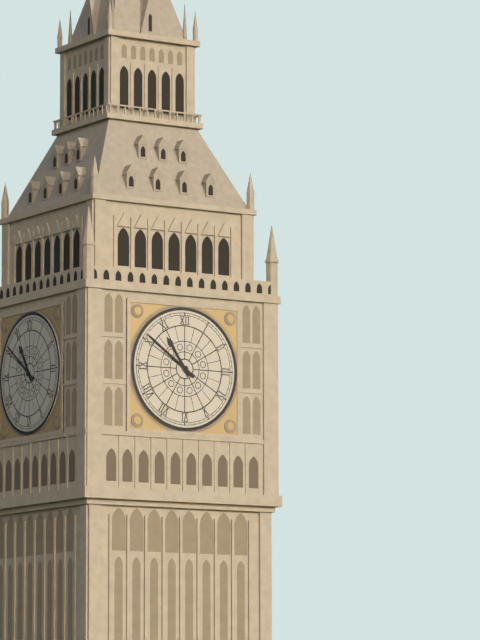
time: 10:51
